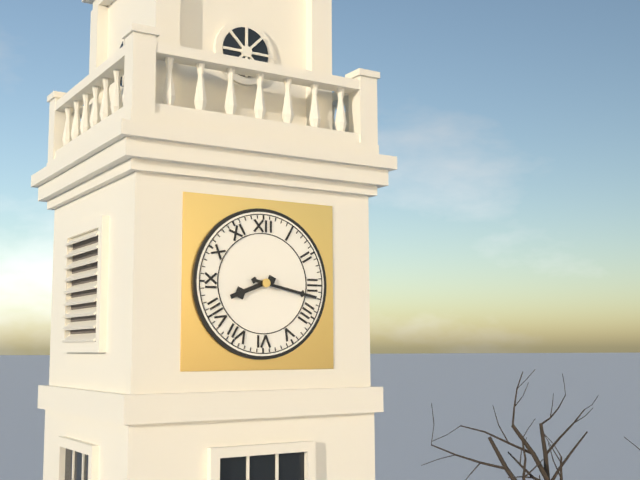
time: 8:17
